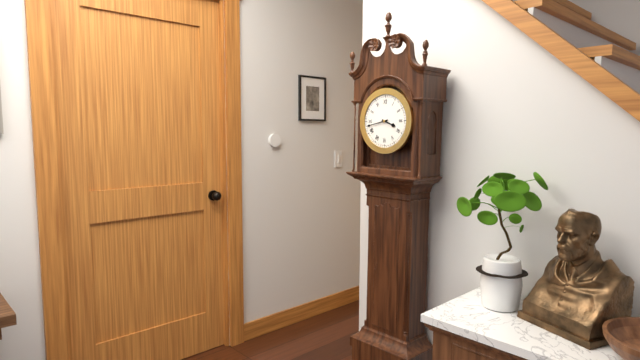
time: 3:43
